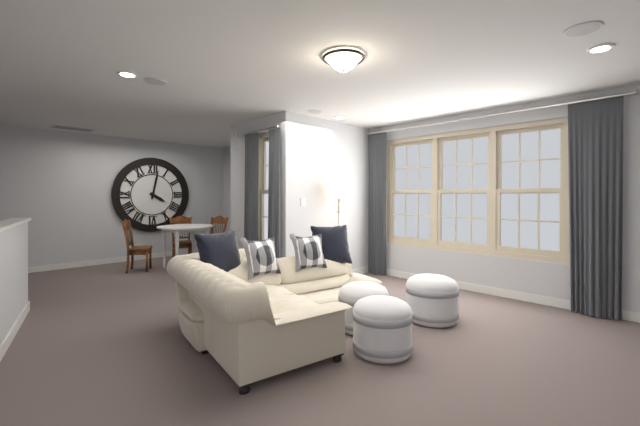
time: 4:02
